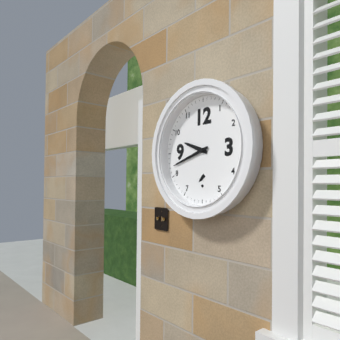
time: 9:42
